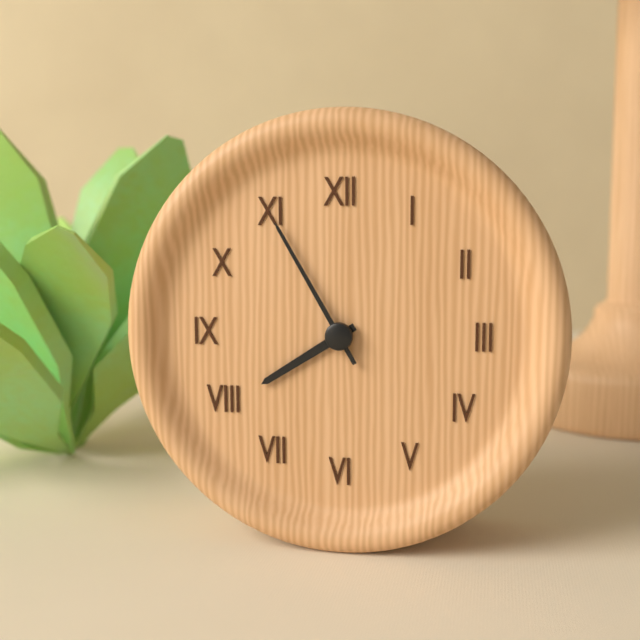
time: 7:55
